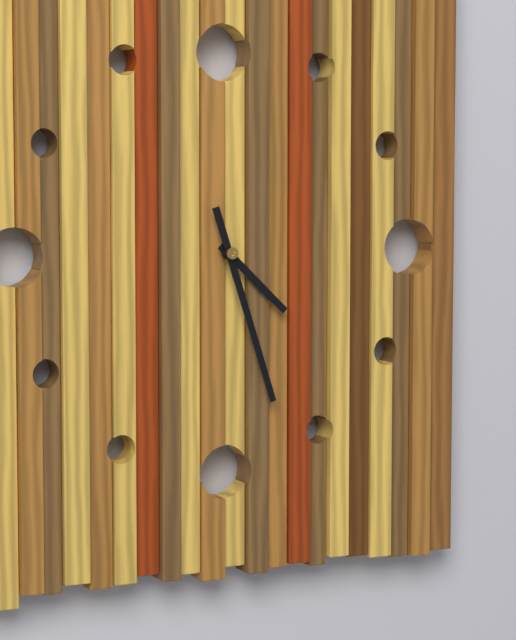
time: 4:27
